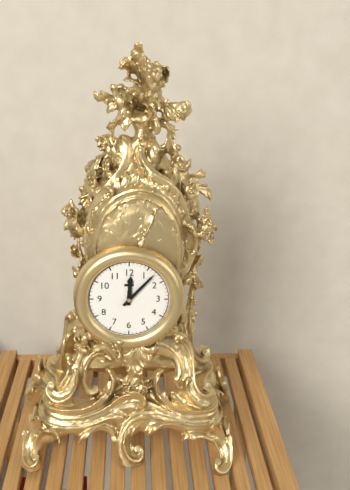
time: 12:07
